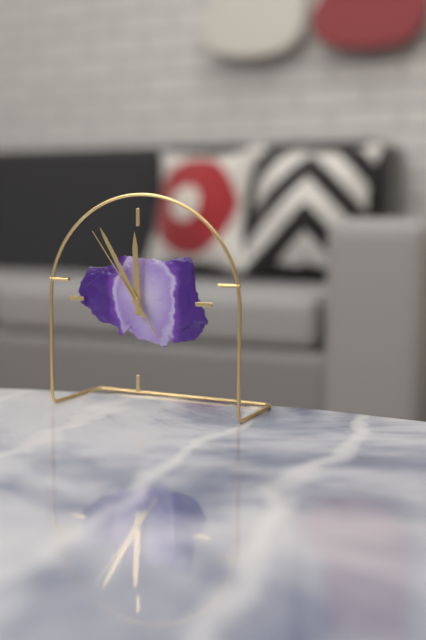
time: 11:55:54
